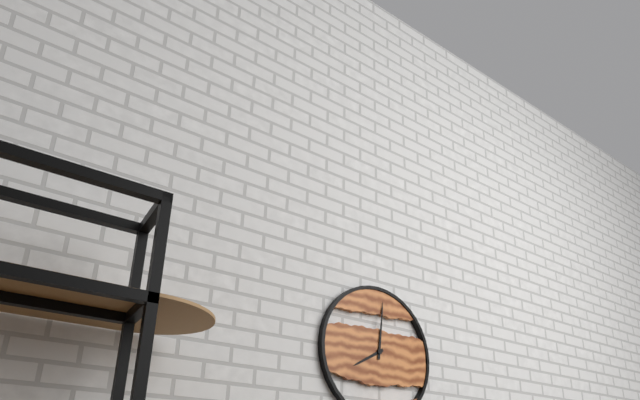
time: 8:01
